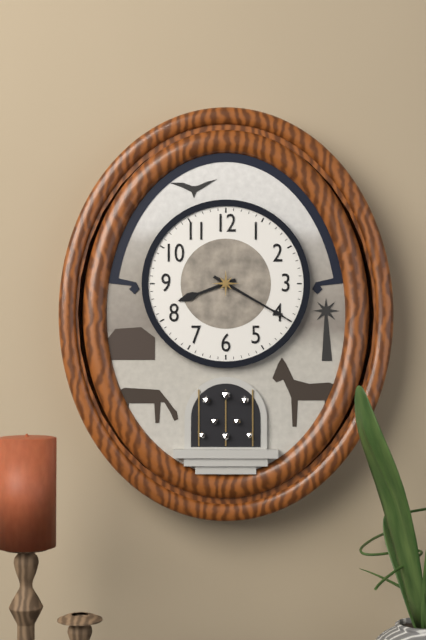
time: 8:20
